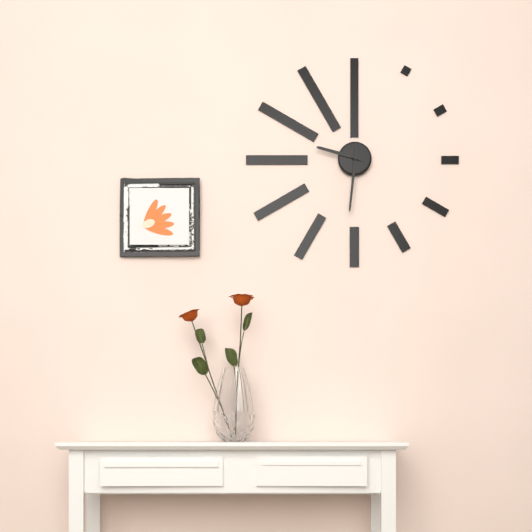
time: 9:31
